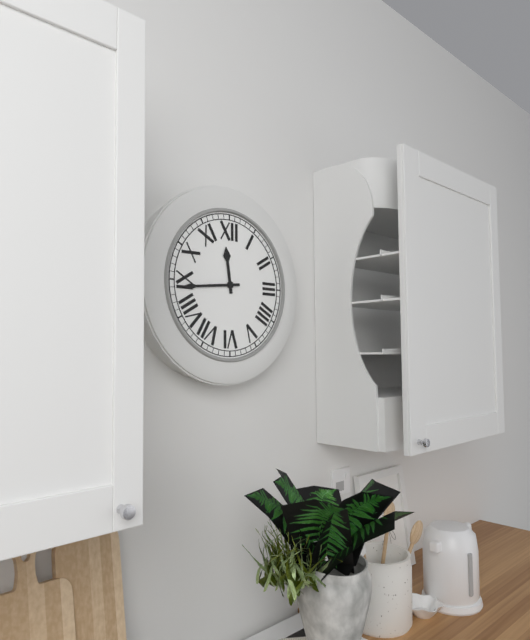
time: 11:44
